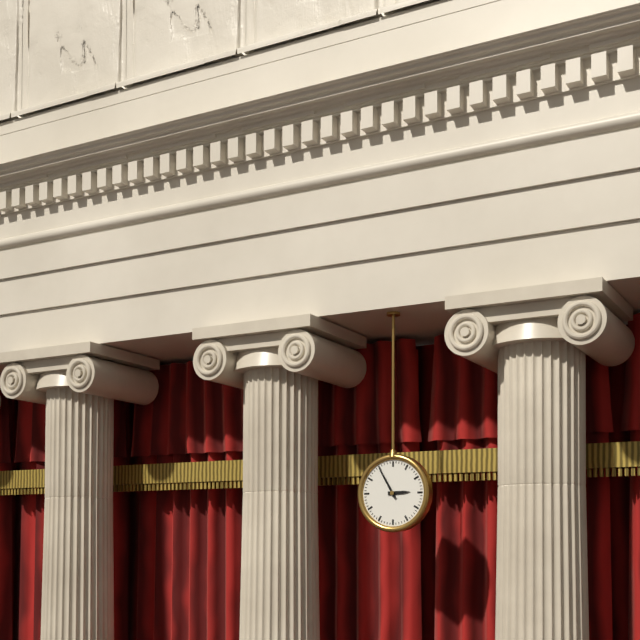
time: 2:55
